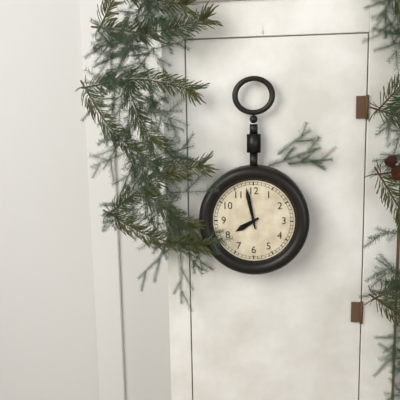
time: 7:58
